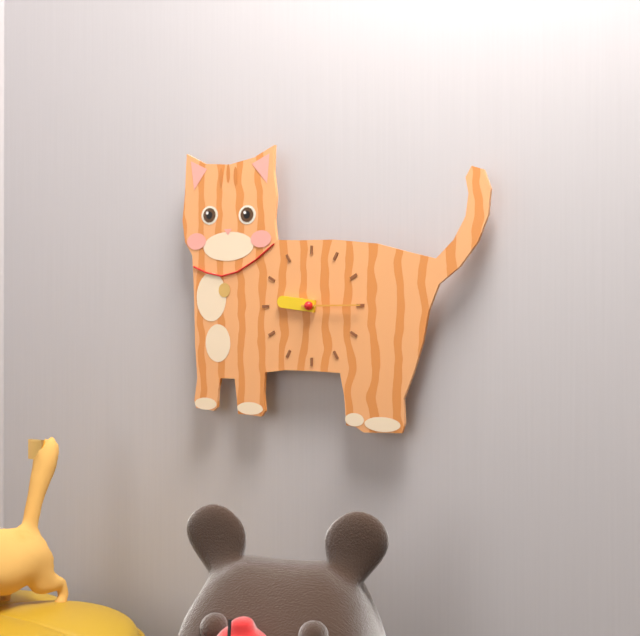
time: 9:15
